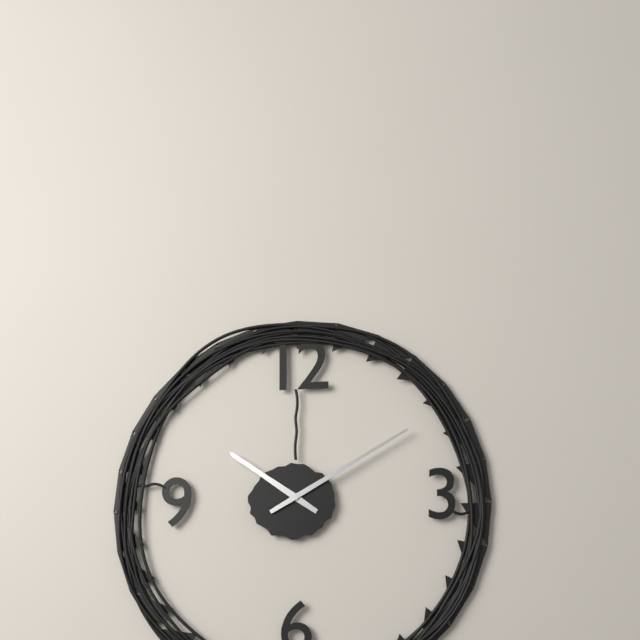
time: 10:10
